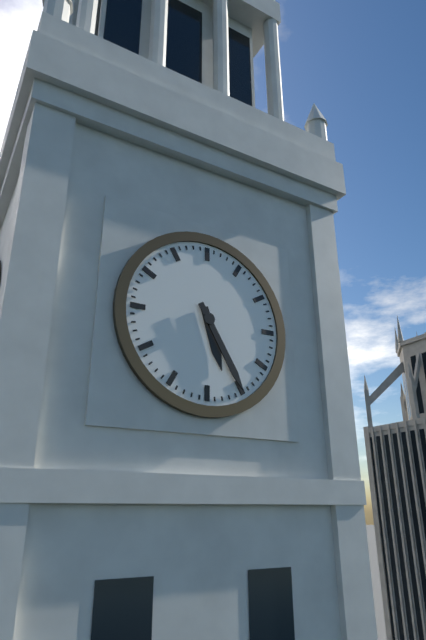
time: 5:25
